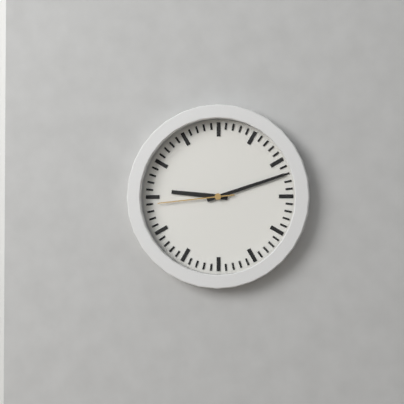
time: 9:12:44
